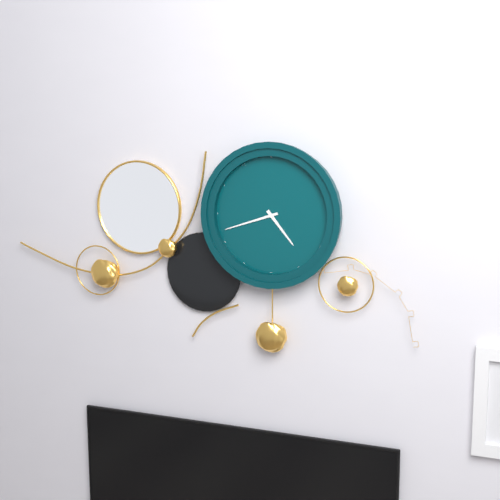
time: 4:42
